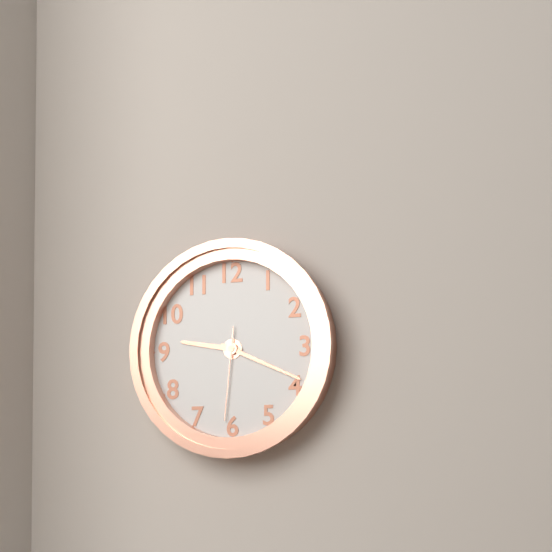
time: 9:19:31
